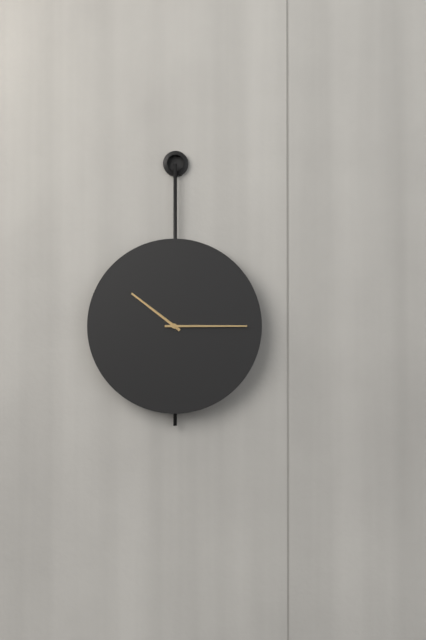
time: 10:15
